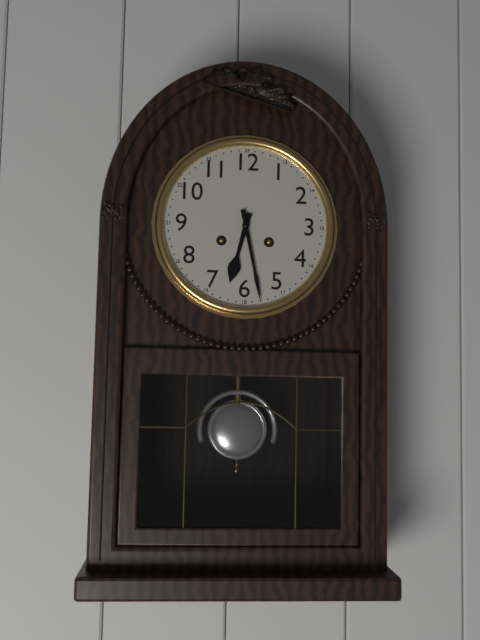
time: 6:28
